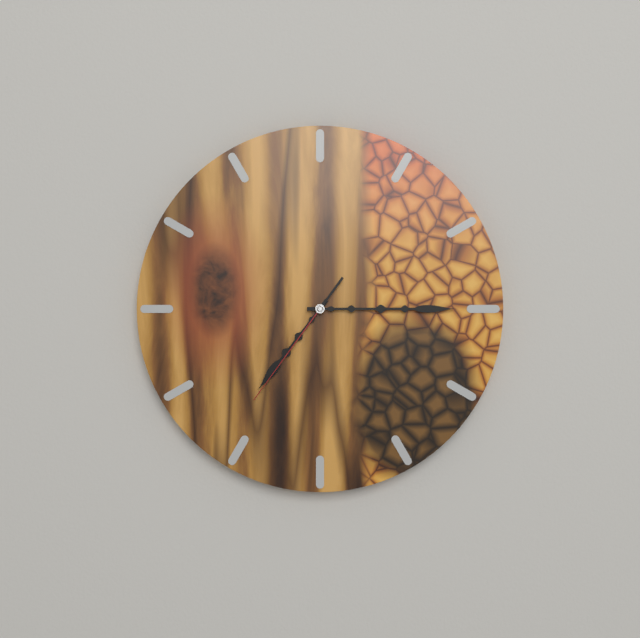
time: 7:15:36
